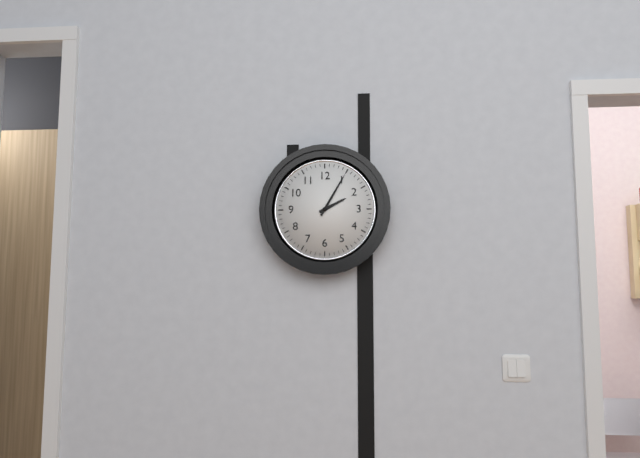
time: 2:05
